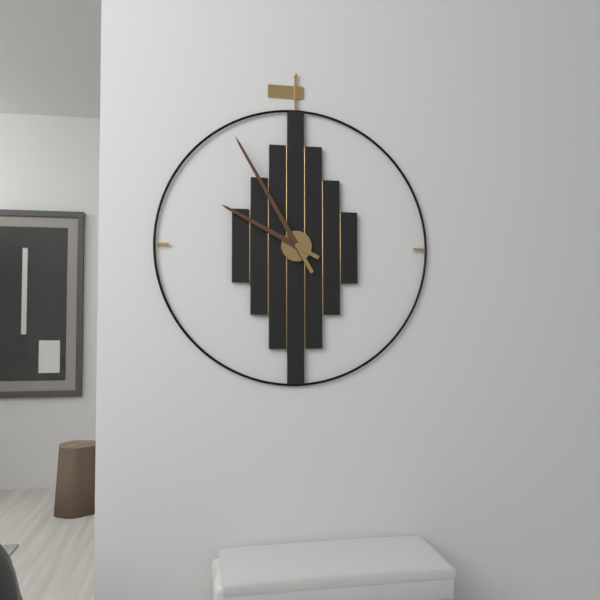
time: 9:55
